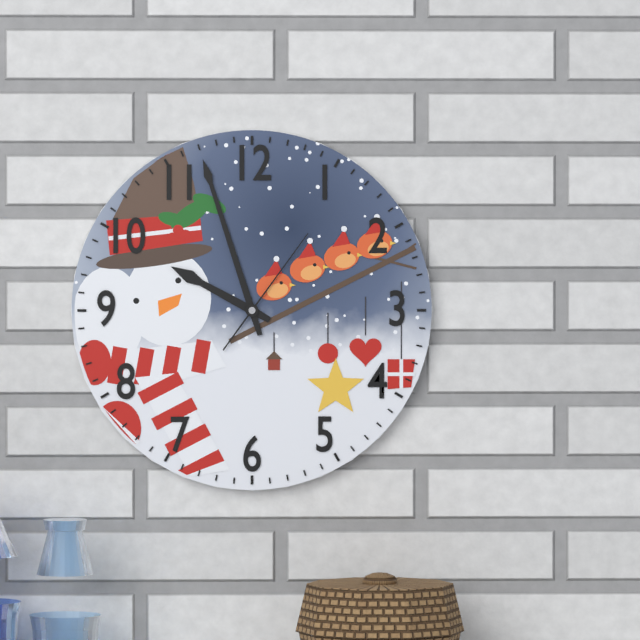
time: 9:57:06
